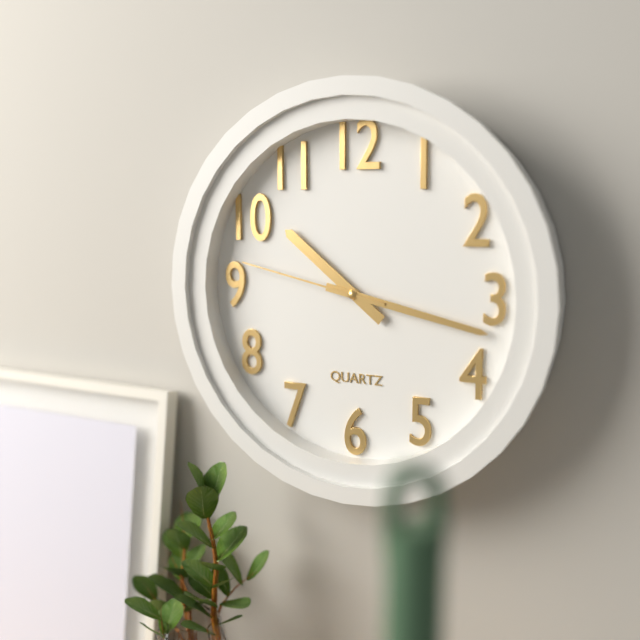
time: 10:17:47
